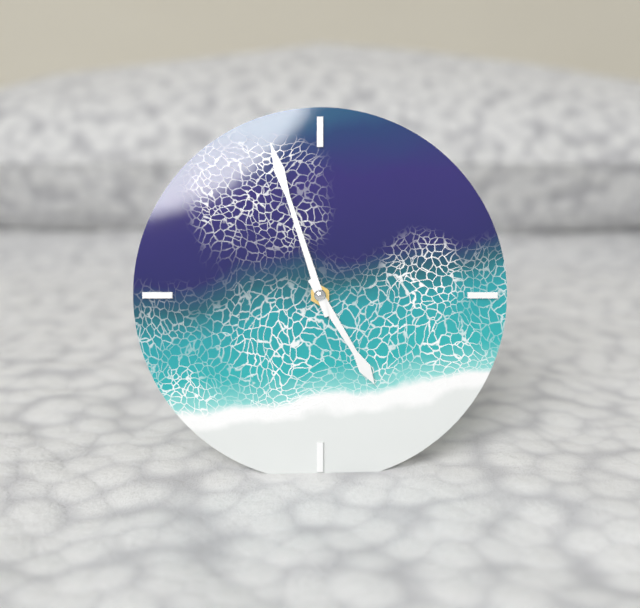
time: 4:57
